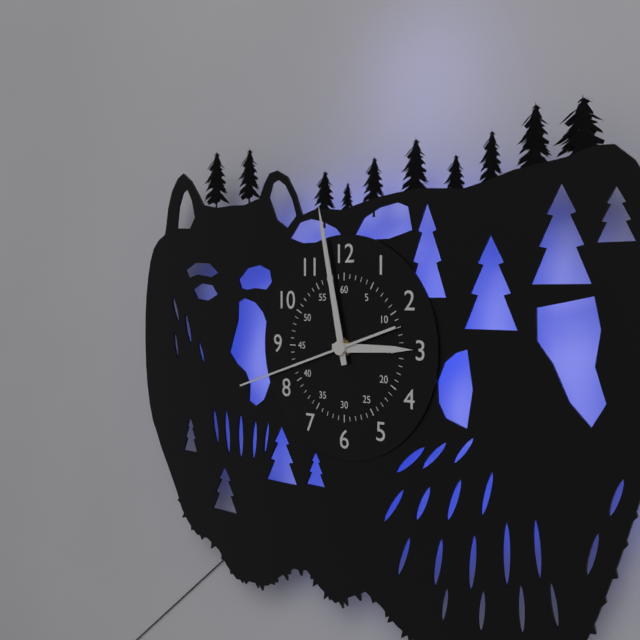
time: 2:58:42
